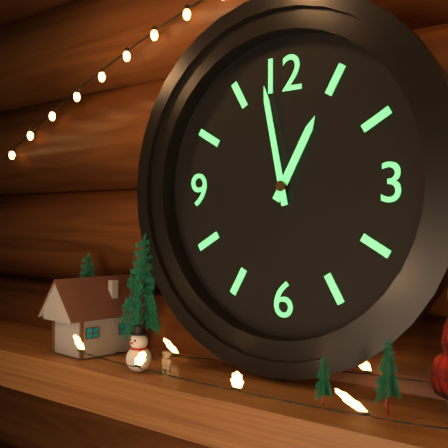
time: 12:58
